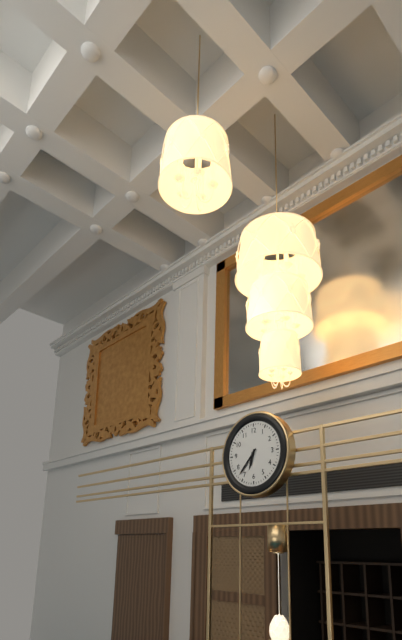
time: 6:37
